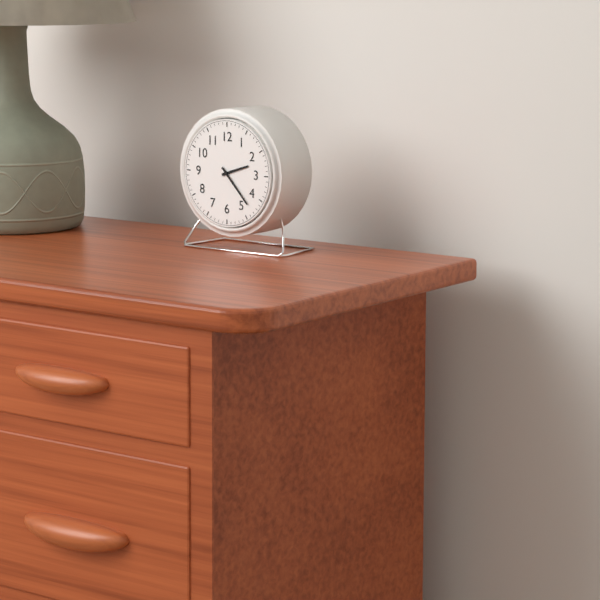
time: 2:23
